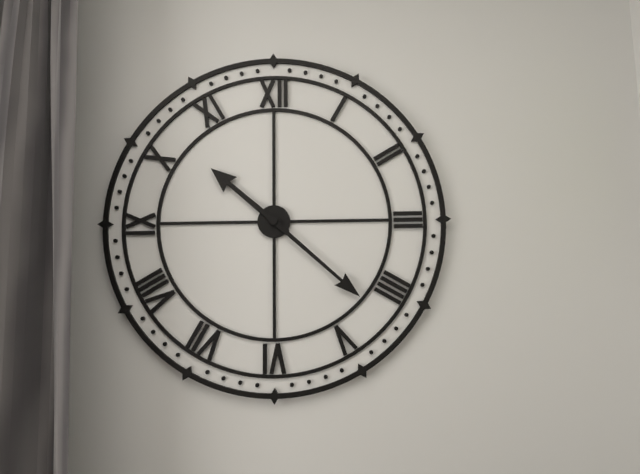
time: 10:22
